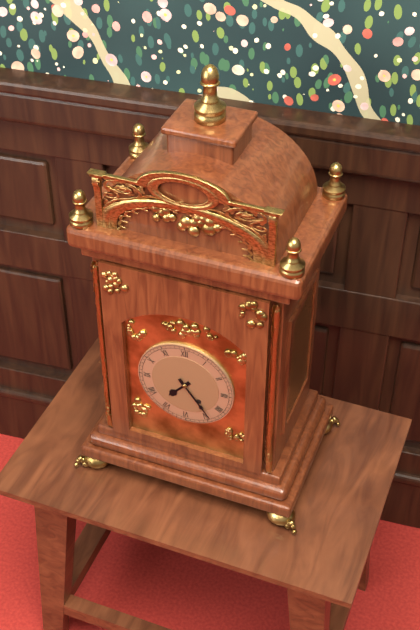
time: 7:24
